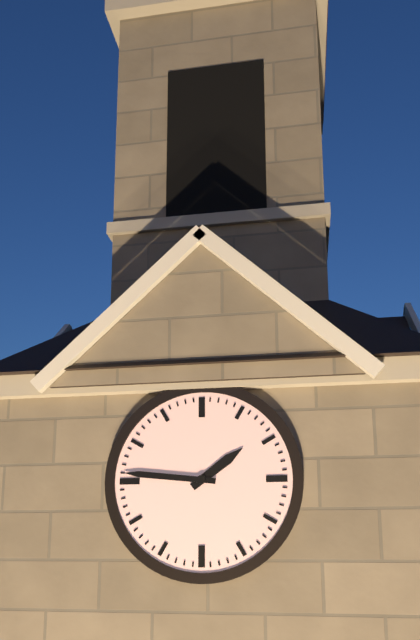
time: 1:46
